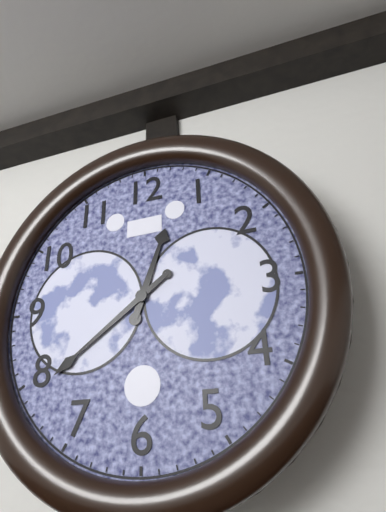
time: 12:39
